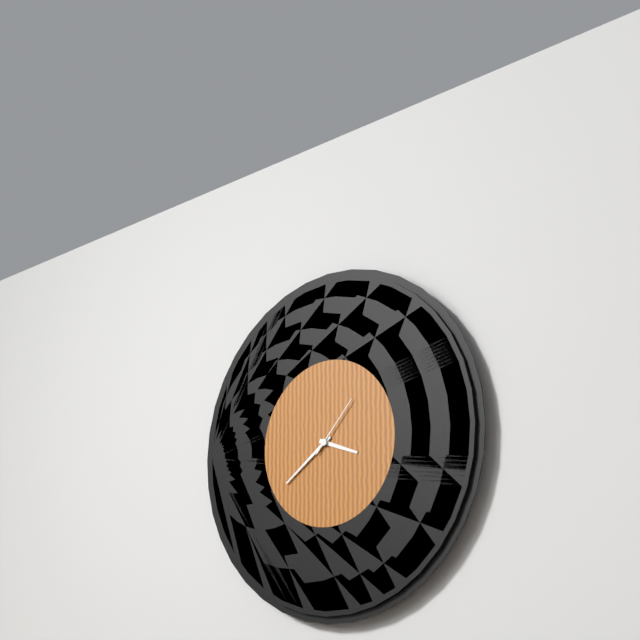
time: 3:39:07
